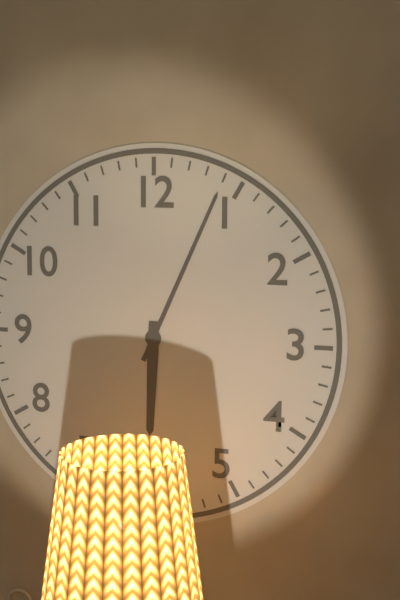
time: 6:04
